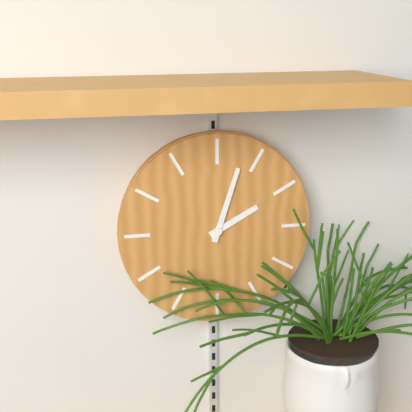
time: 2:03
